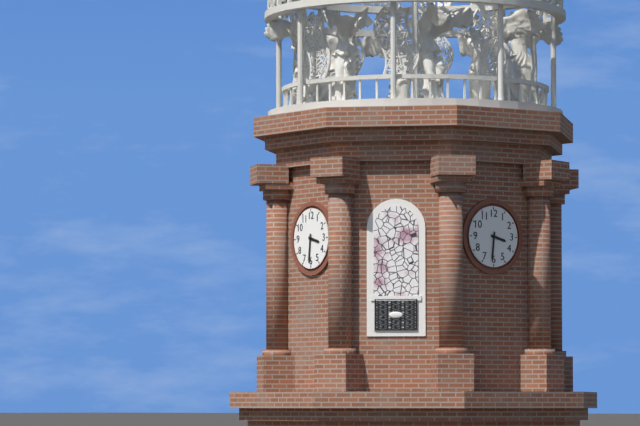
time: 3:31
